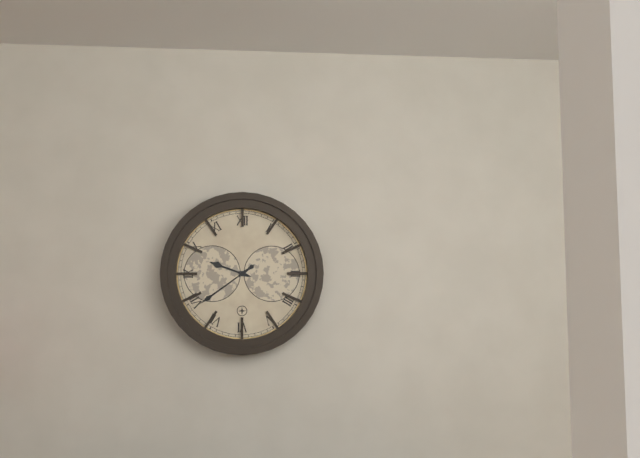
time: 9:39
